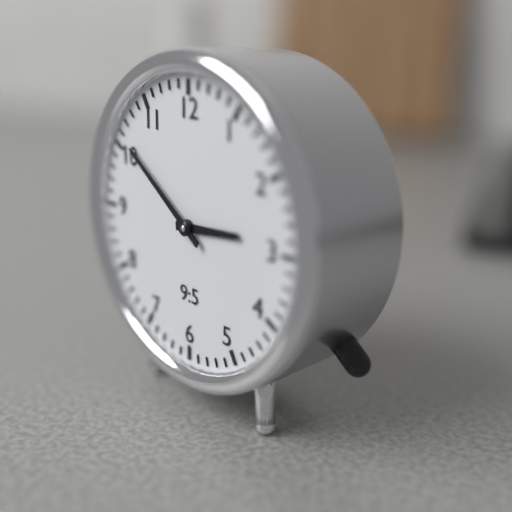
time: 2:51
